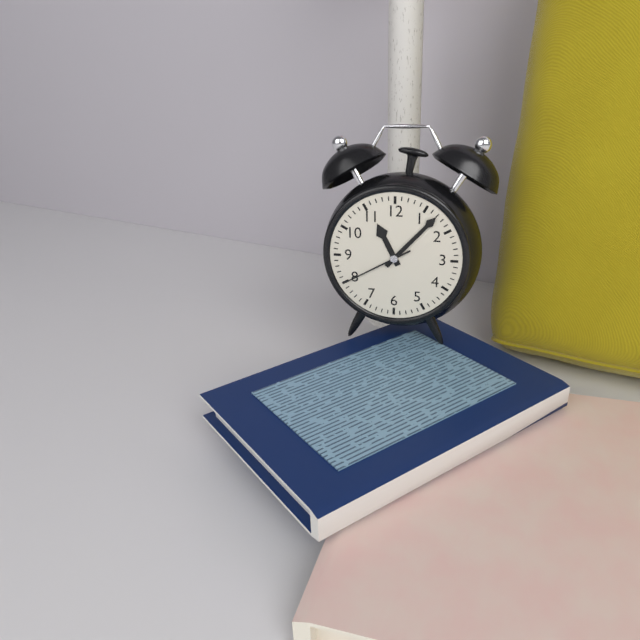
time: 11:07:40
